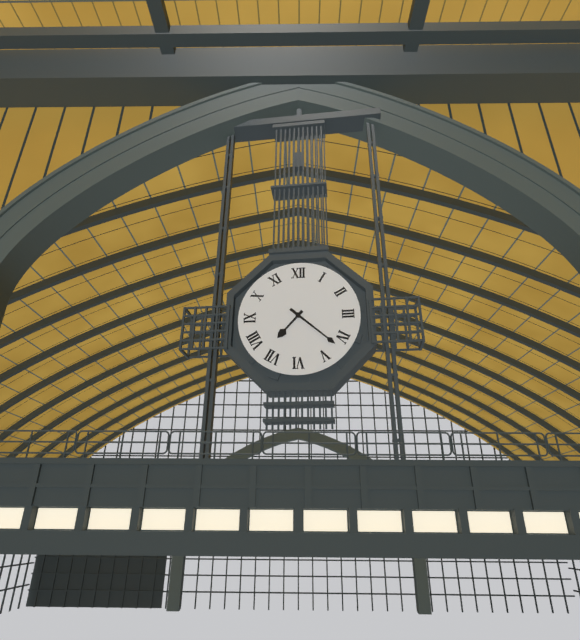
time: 7:22
